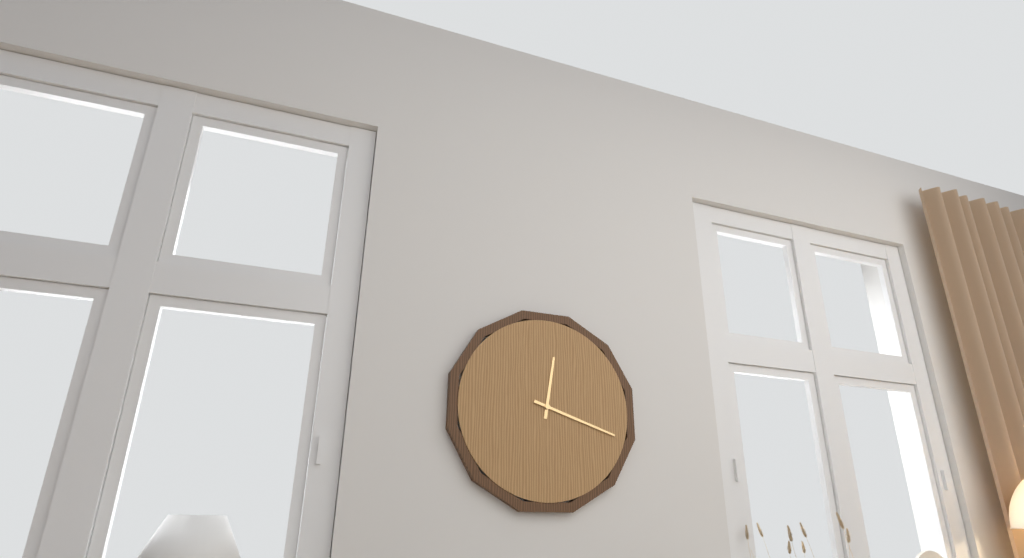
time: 12:18
